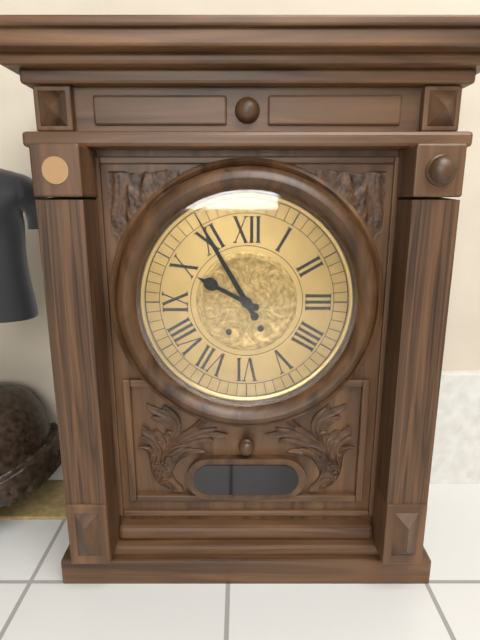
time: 9:55
